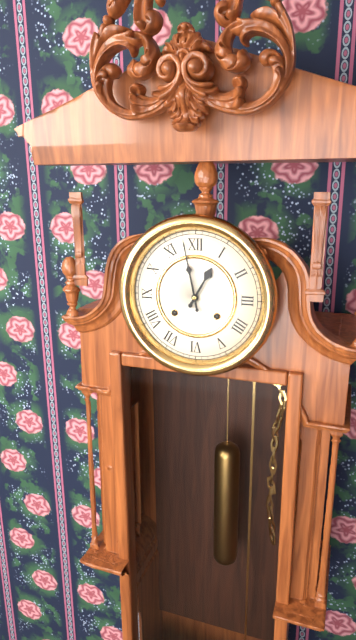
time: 12:58
